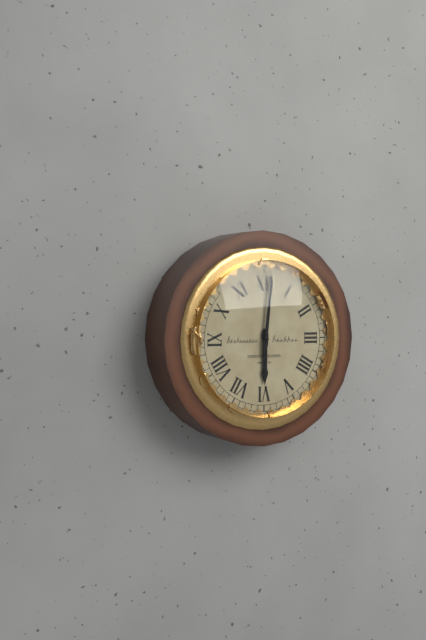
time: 6:01
